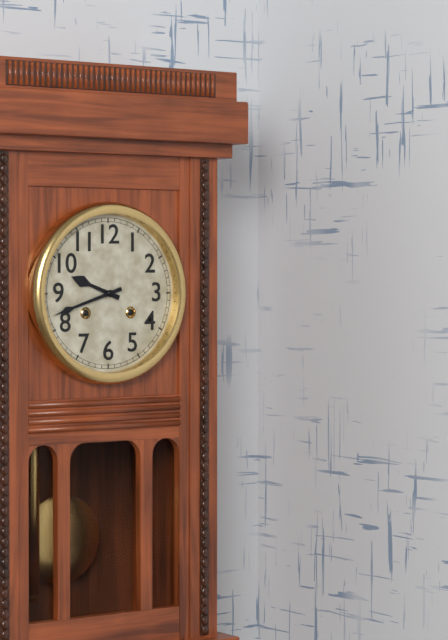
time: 9:42
